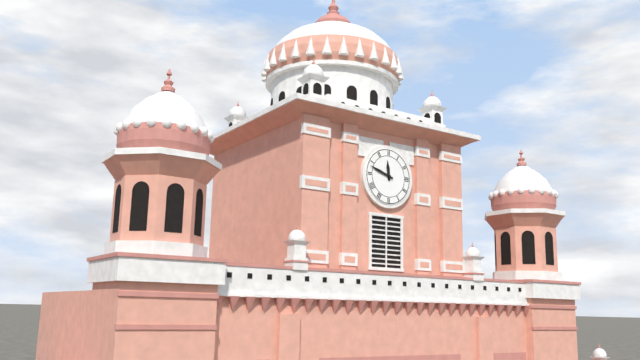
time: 11:48
